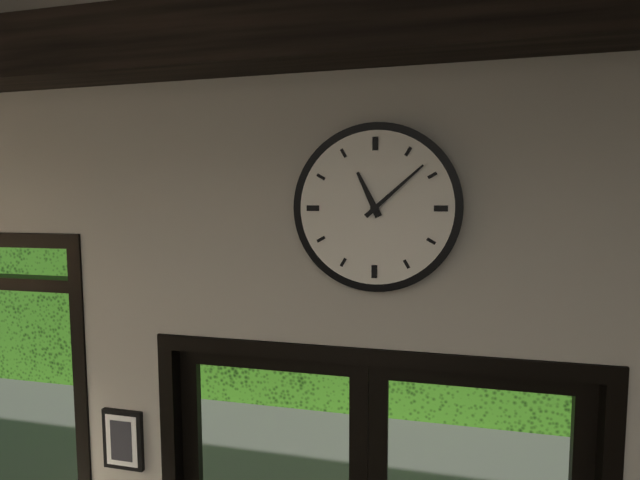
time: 11:08
